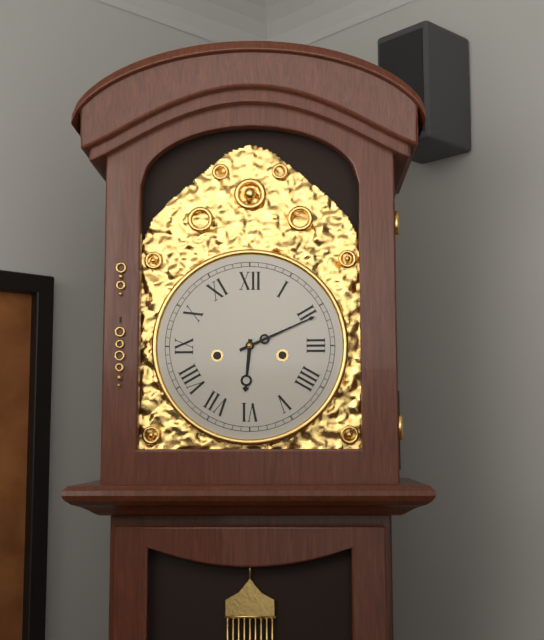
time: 6:11
